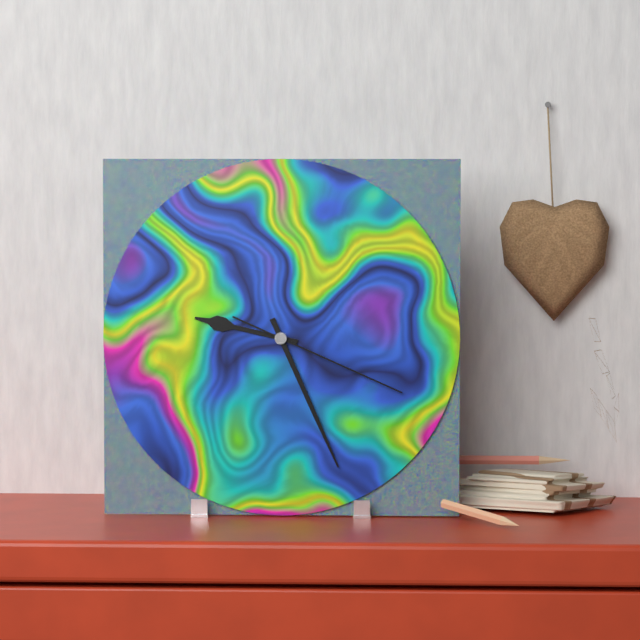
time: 9:26:19
